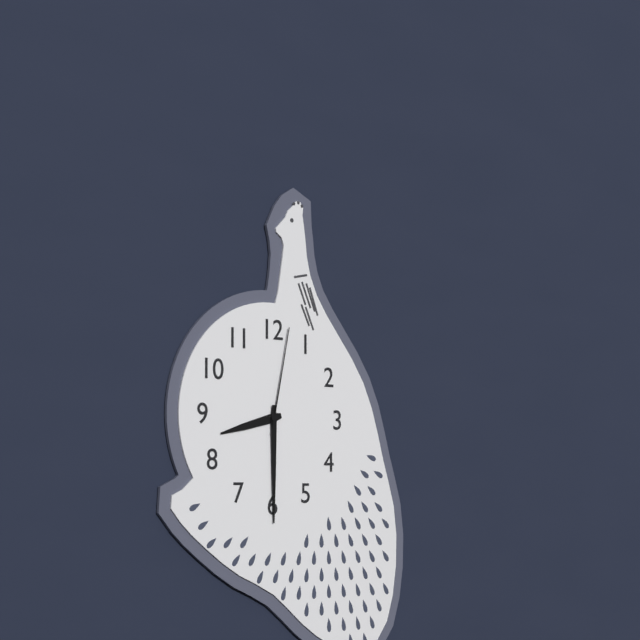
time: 8:30:02
